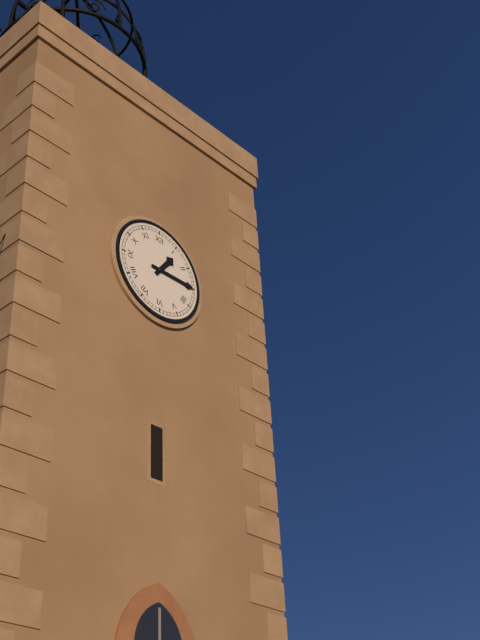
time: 1:15
